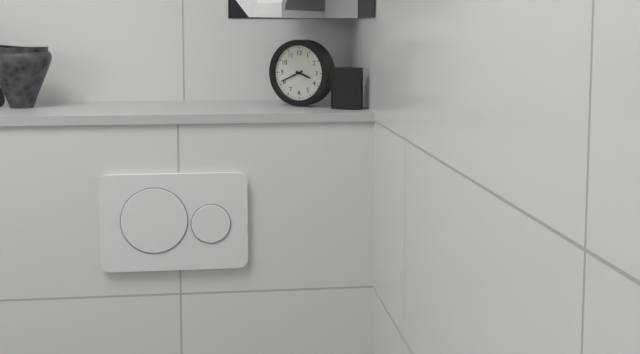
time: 3:41
